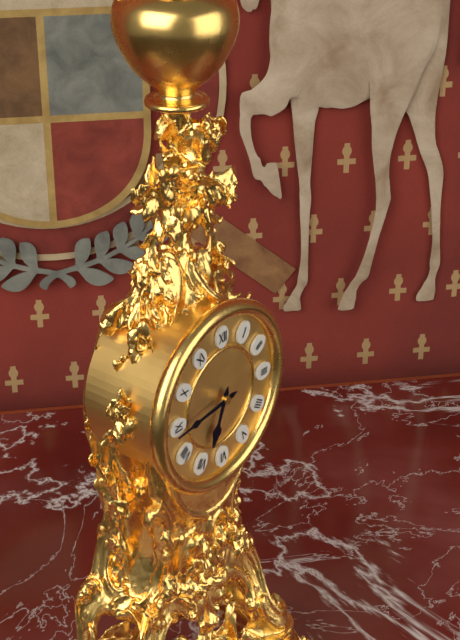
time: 6:44
